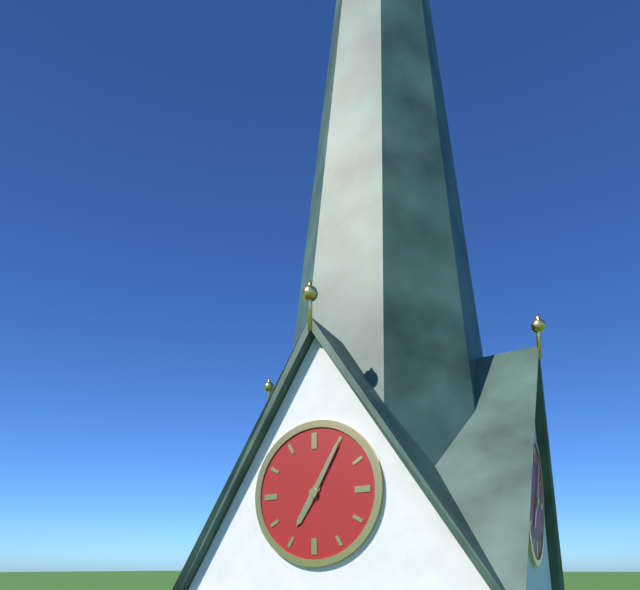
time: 7:05
